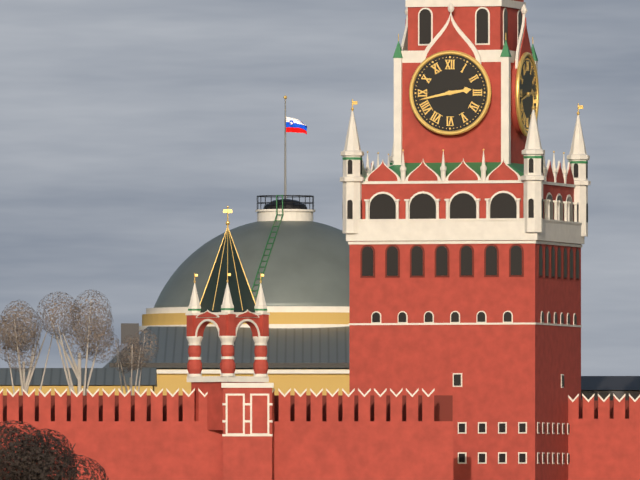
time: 2:43
